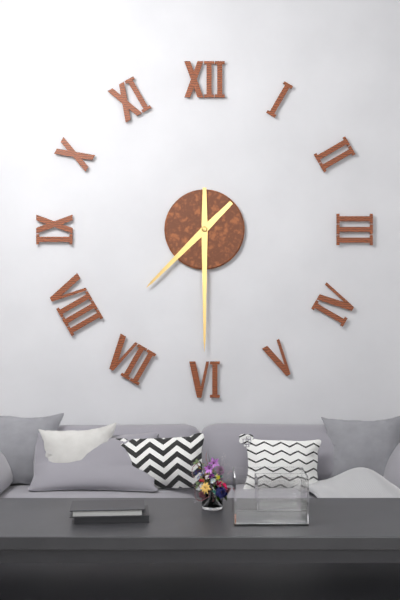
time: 7:30
